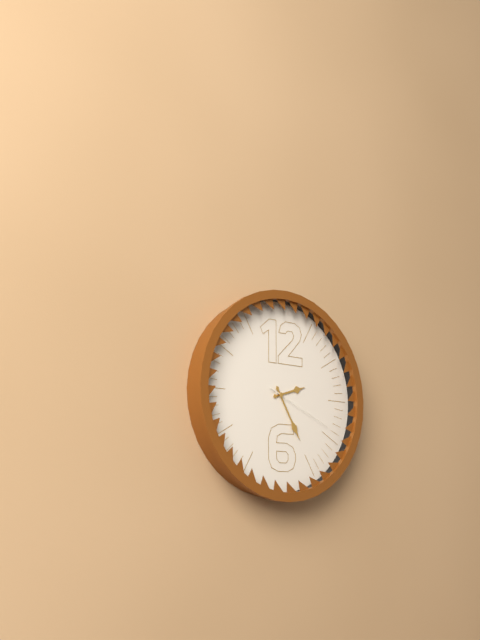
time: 2:25:19
